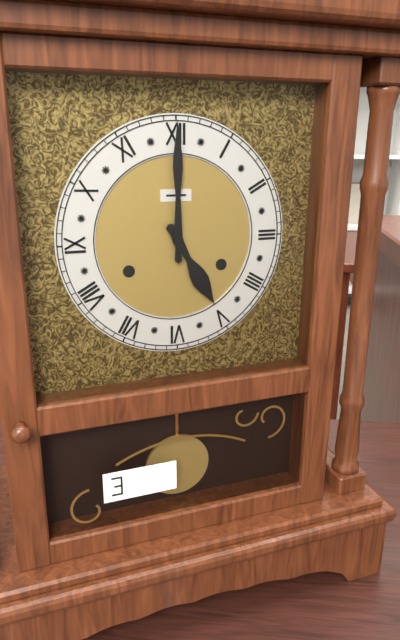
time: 5:00
